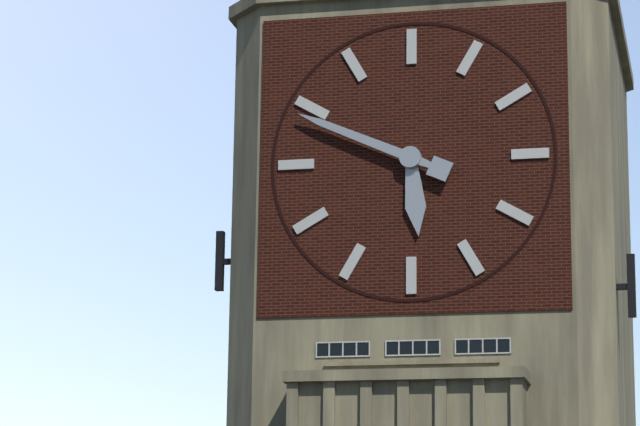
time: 5:49
